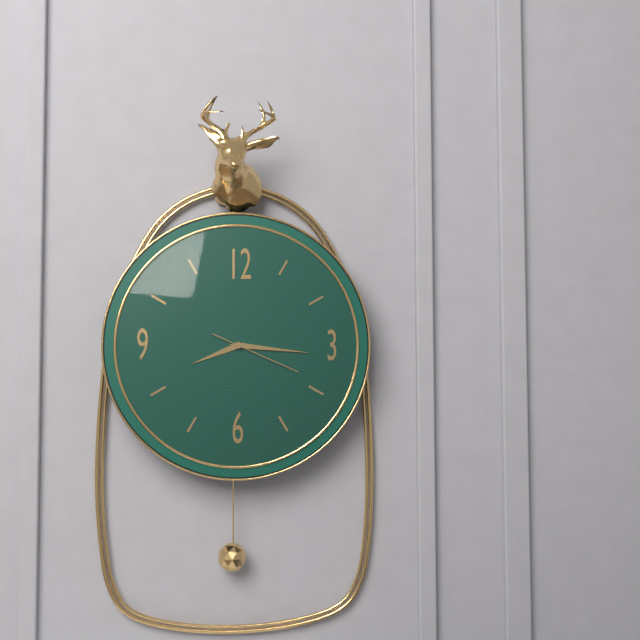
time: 8:16:19
